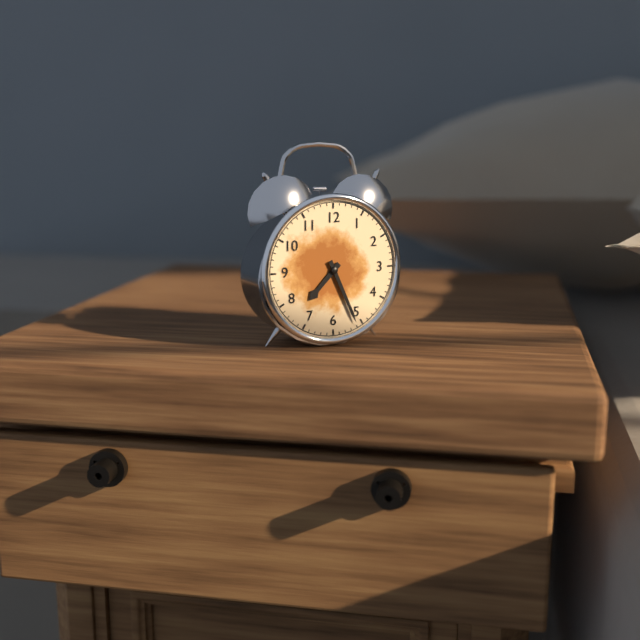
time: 7:26
